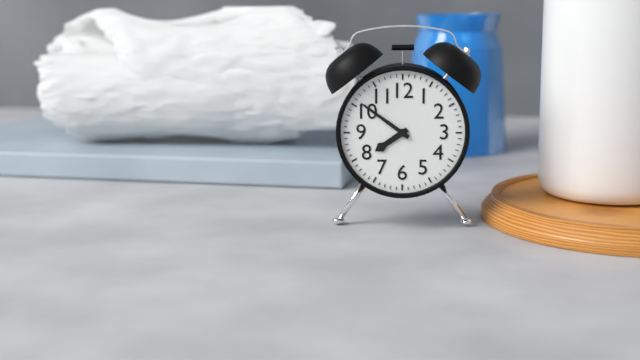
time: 7:51
